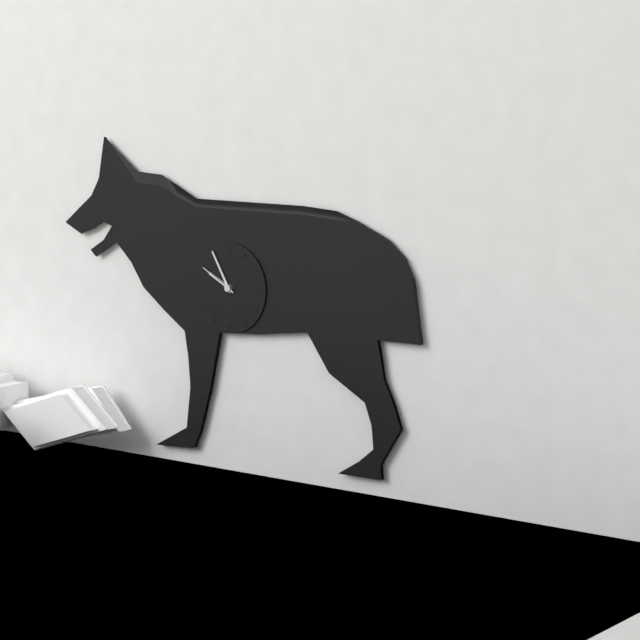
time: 9:55
